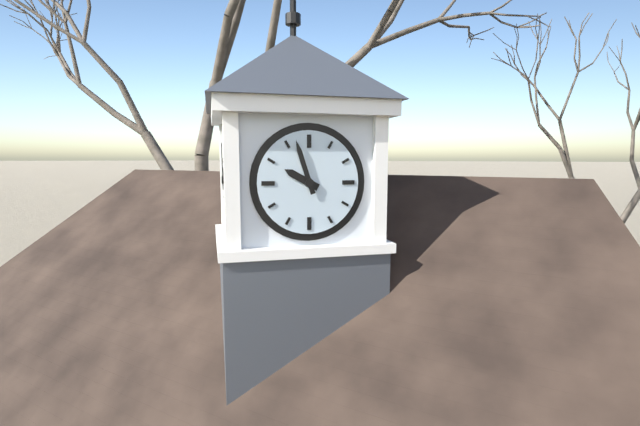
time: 9:57
